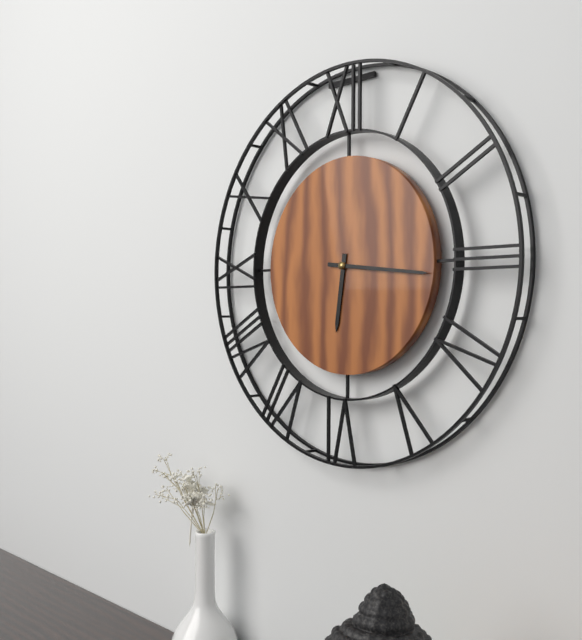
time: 6:16
